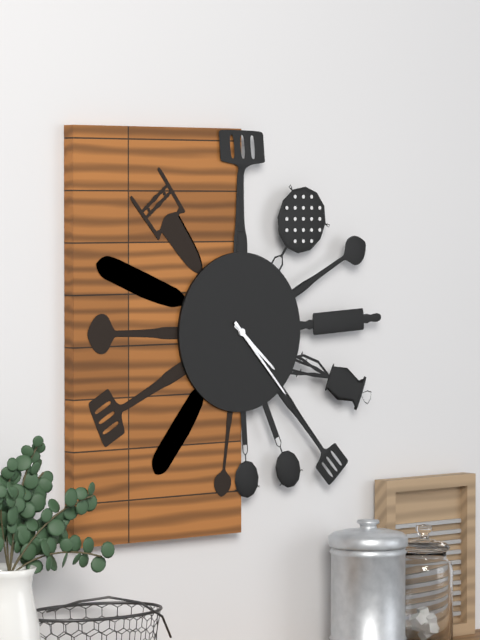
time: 4:23
